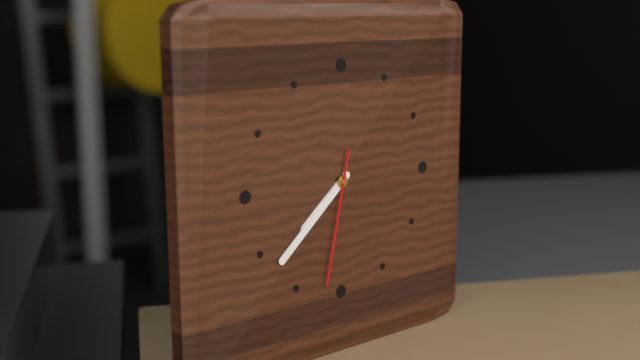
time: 7:38:32
